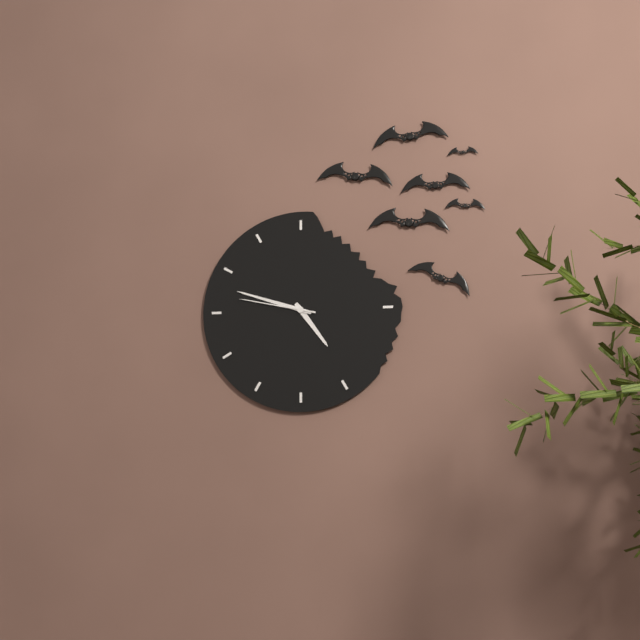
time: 4:48:47
